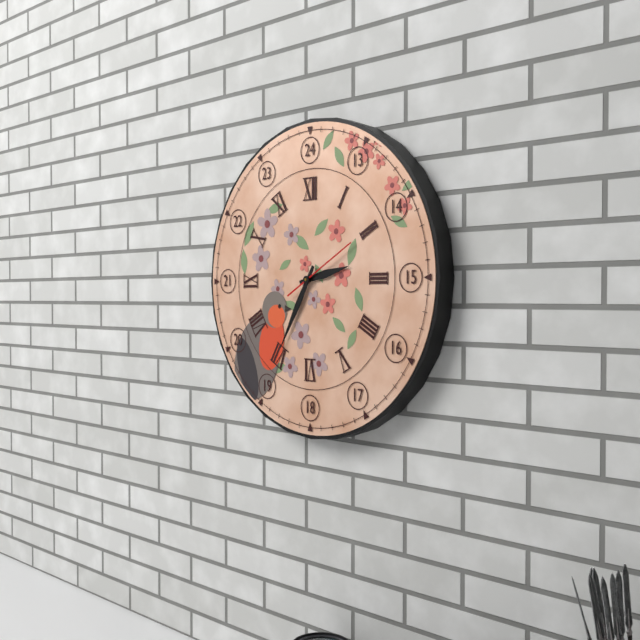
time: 2:35:10
